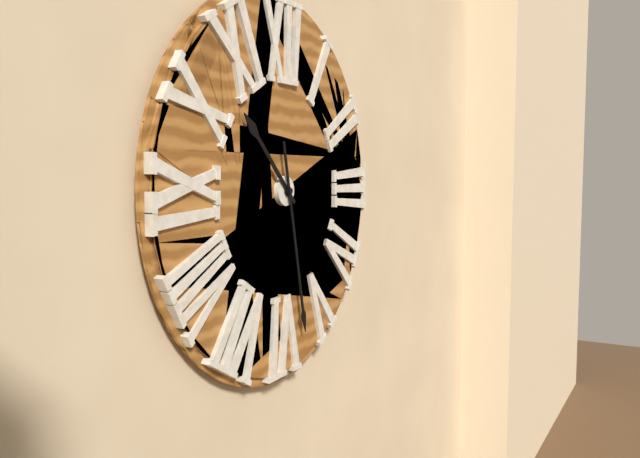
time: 10:28
